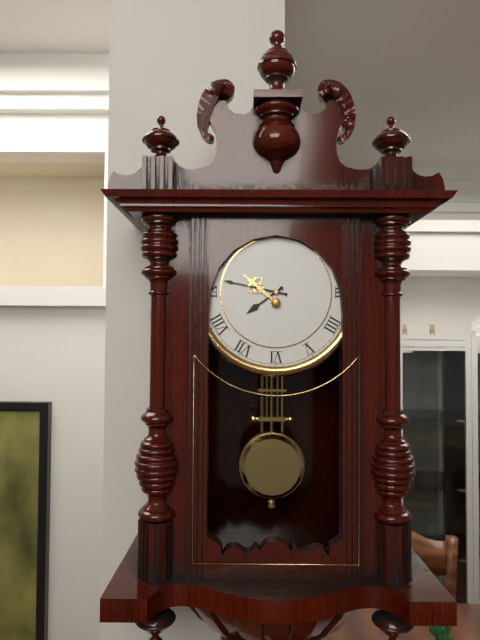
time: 7:47
